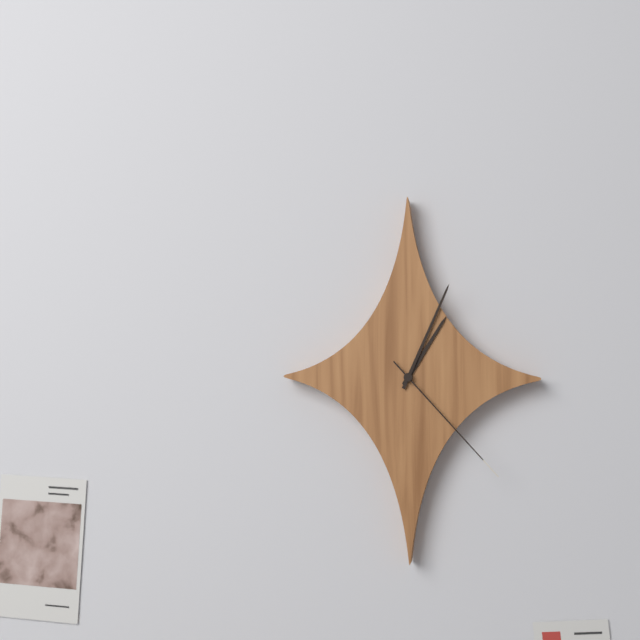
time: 1:04:23
